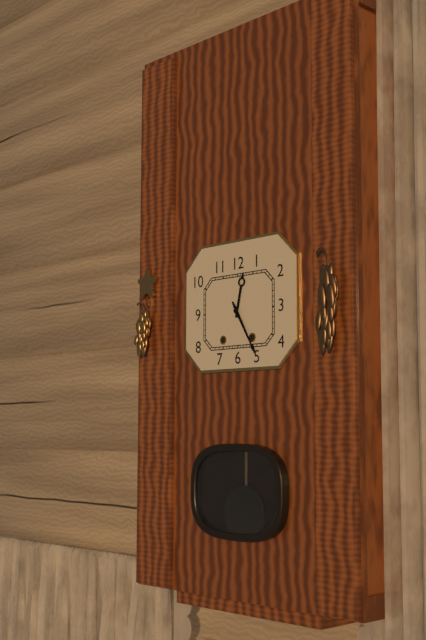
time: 12:25
